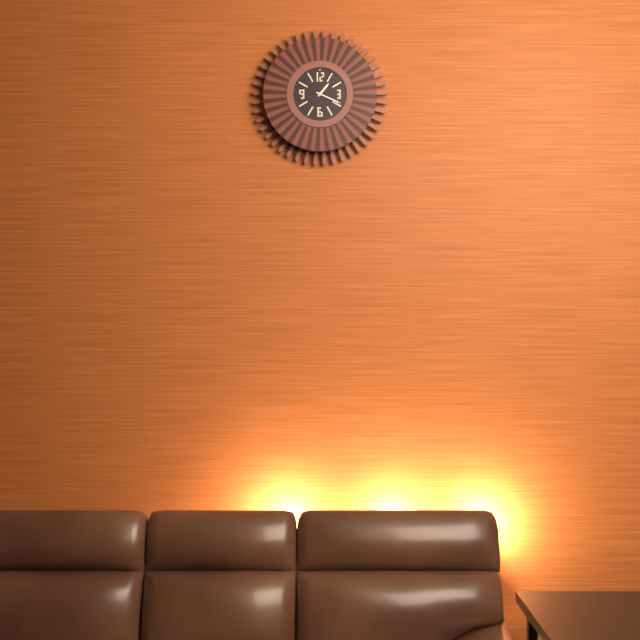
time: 1:19
